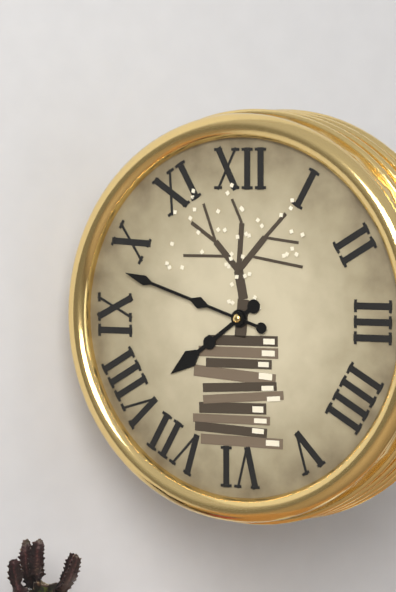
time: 7:48
